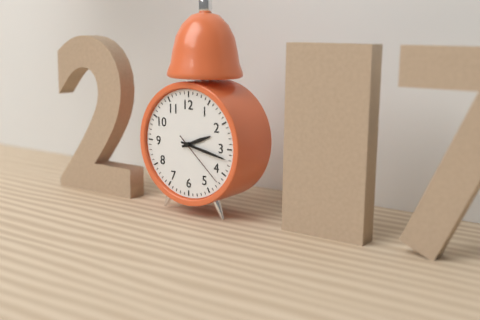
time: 2:17:22
